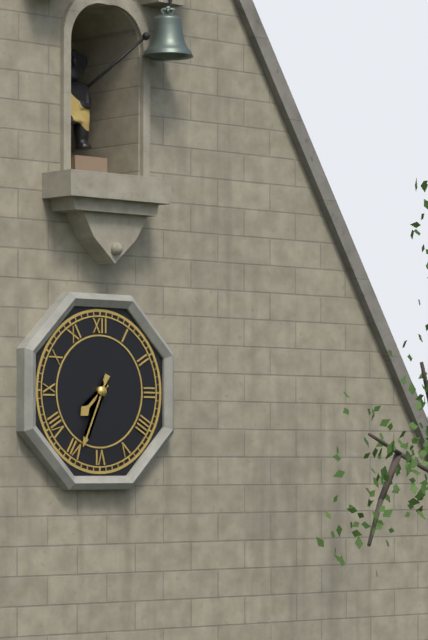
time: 7:34
